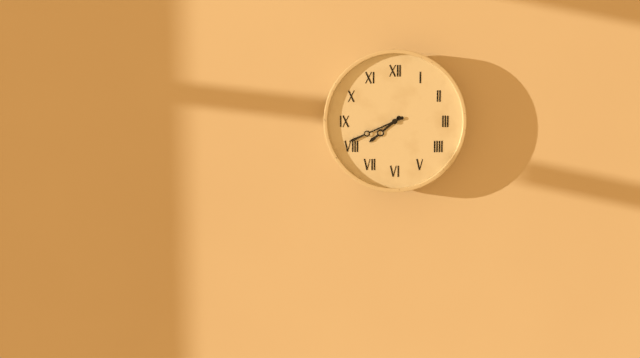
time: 7:41
